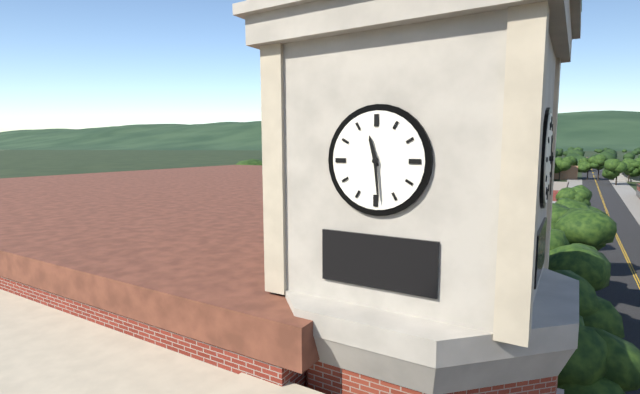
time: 11:29
